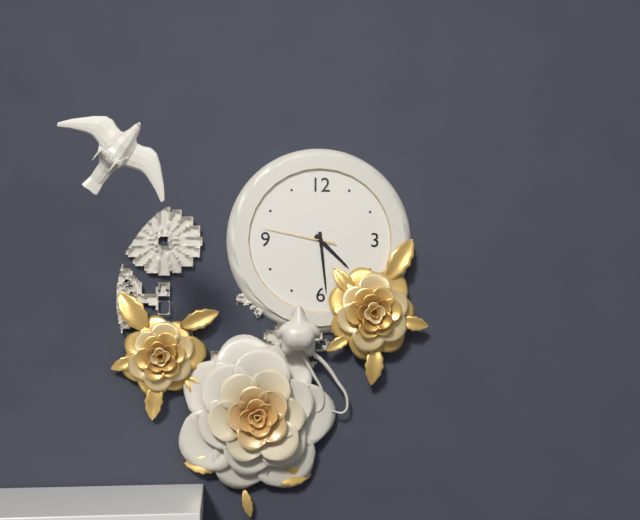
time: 4:29:47
